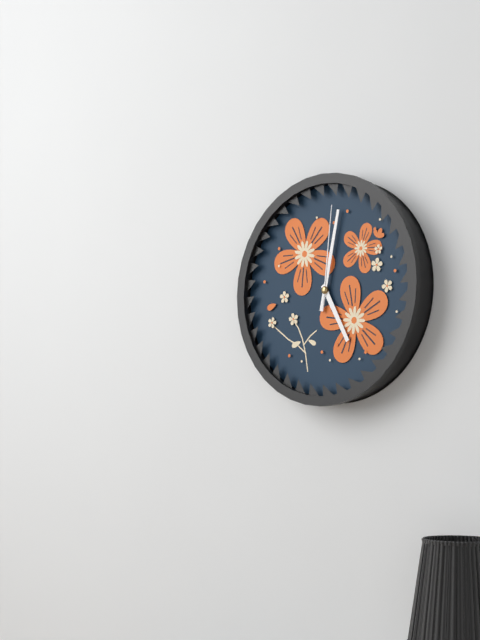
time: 5:02:01
